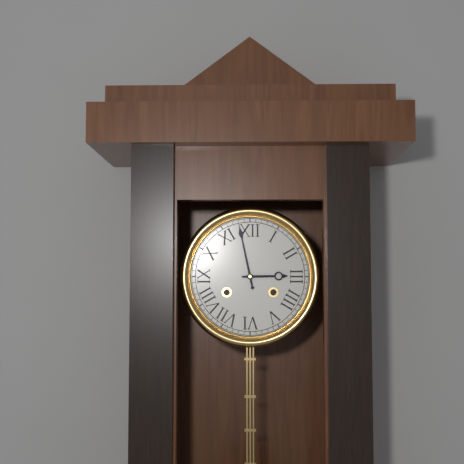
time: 2:58
